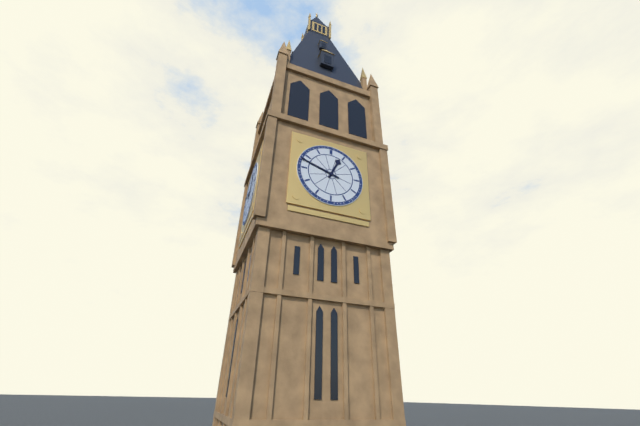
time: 12:48
